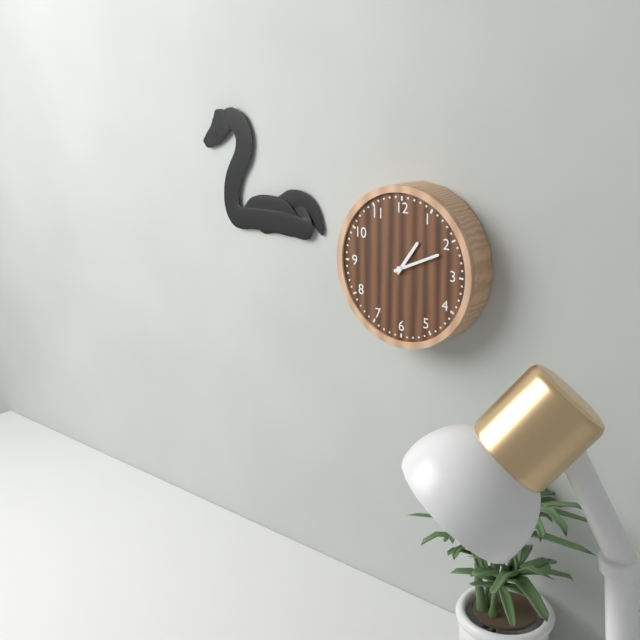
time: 1:11
